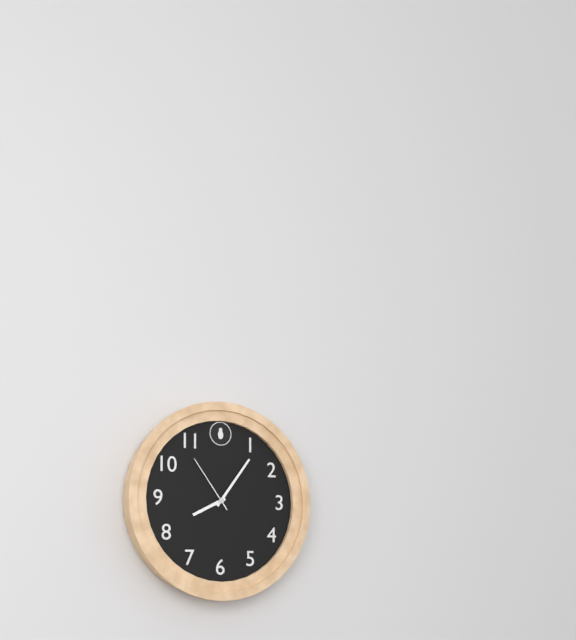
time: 8:06:54
